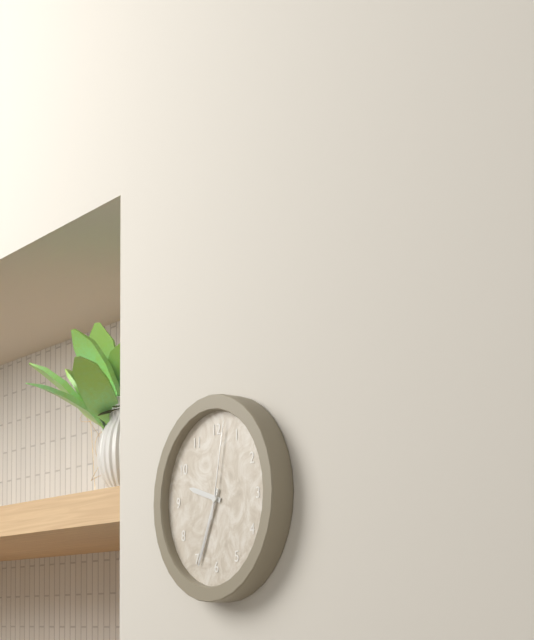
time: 9:34:02
